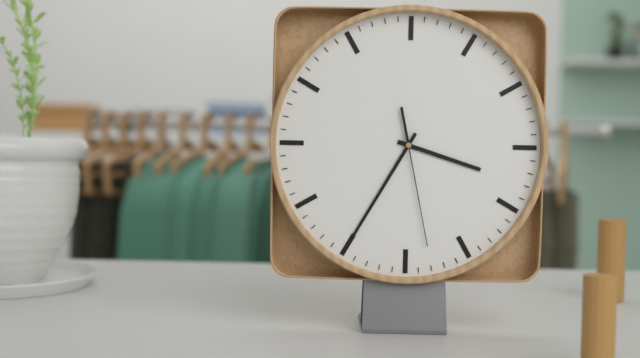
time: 3:35:28
